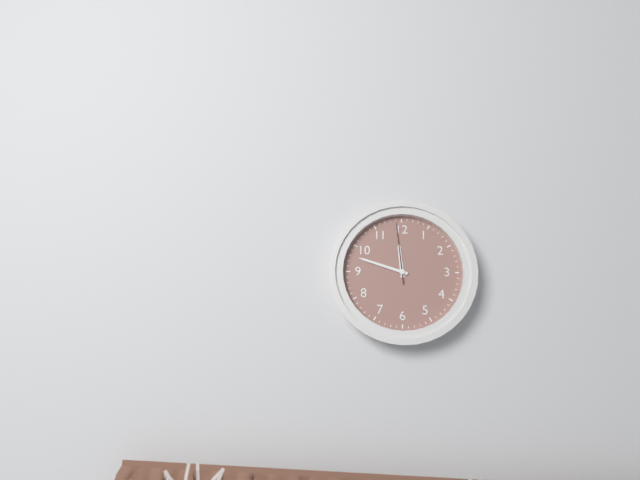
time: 11:48:59
